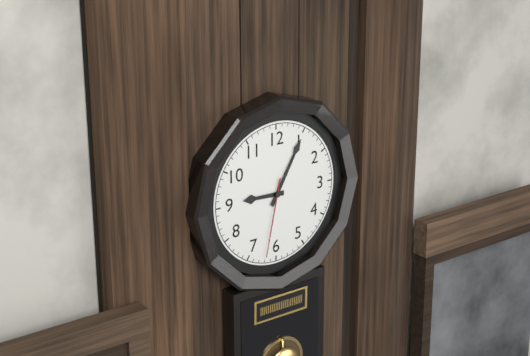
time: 9:05:32
